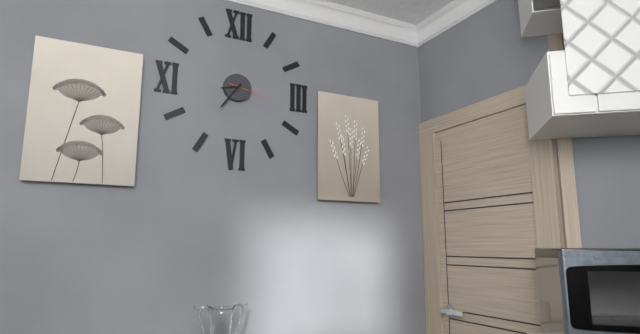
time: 8:36
